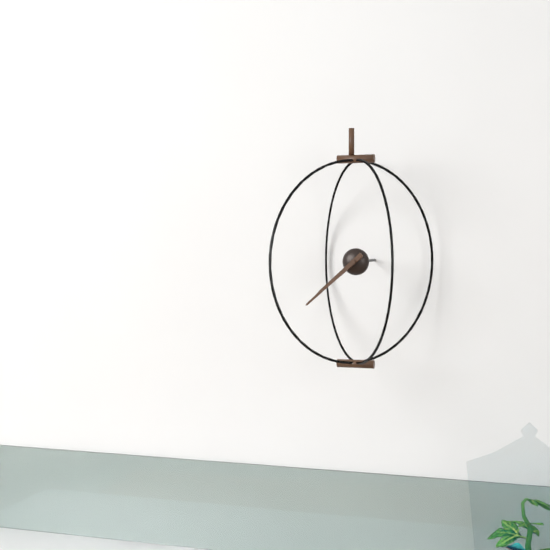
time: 7:38
